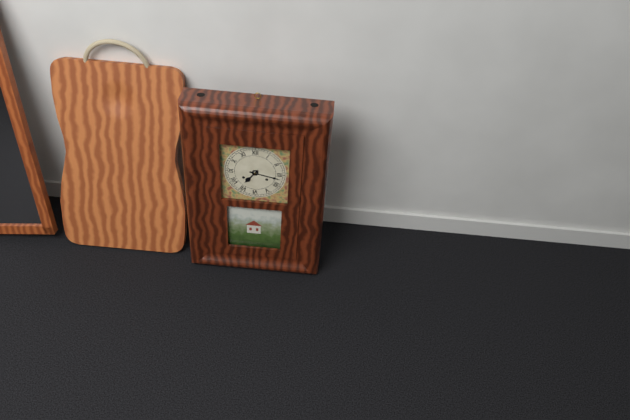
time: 7:17
